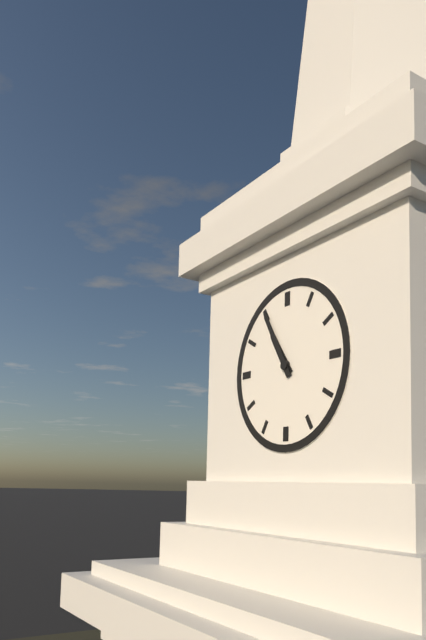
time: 10:55
